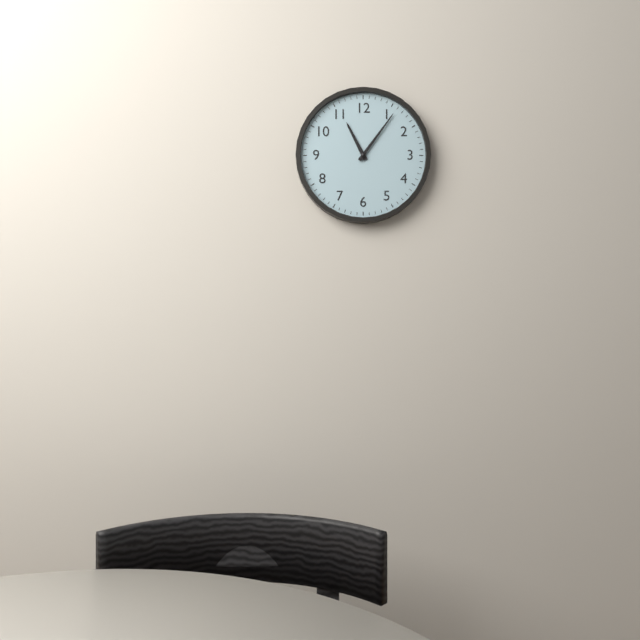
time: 11:06
